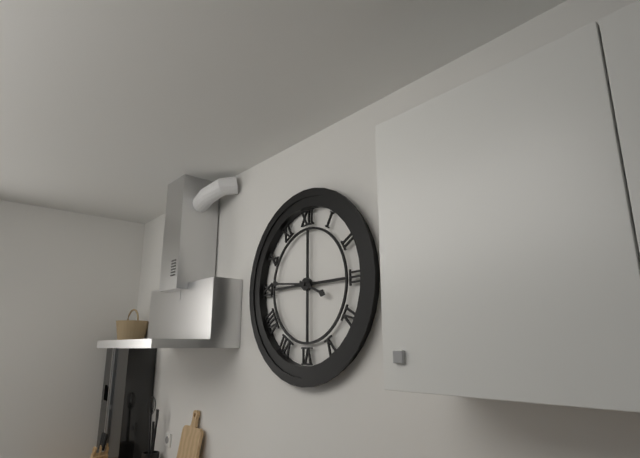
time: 3:46
